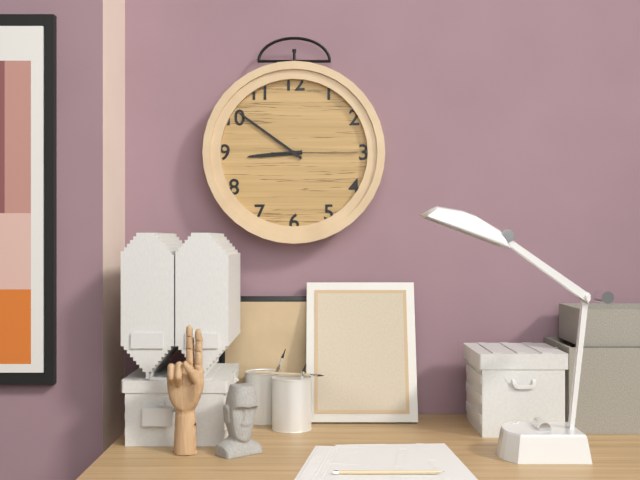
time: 8:51:15
